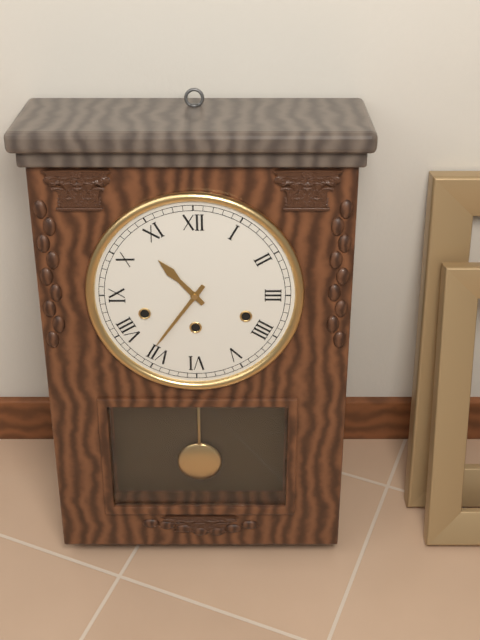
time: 10:36
